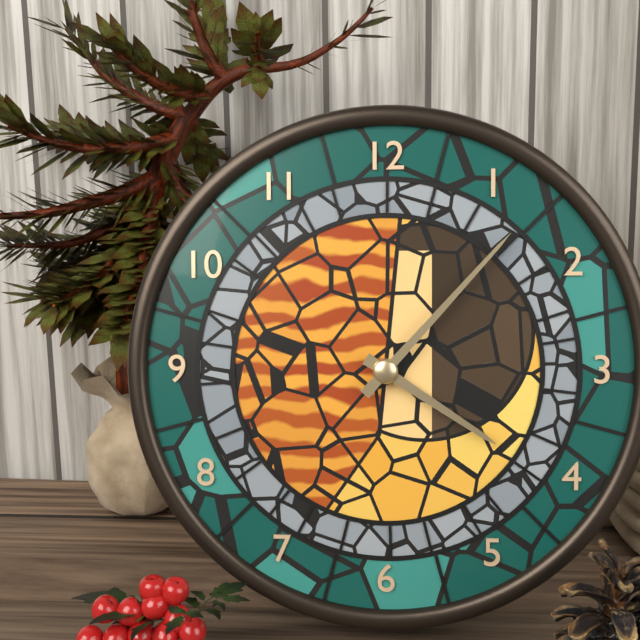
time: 4:07
